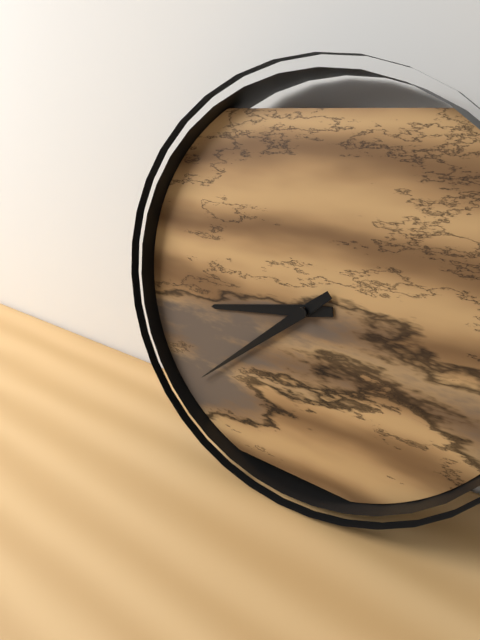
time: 8:38
